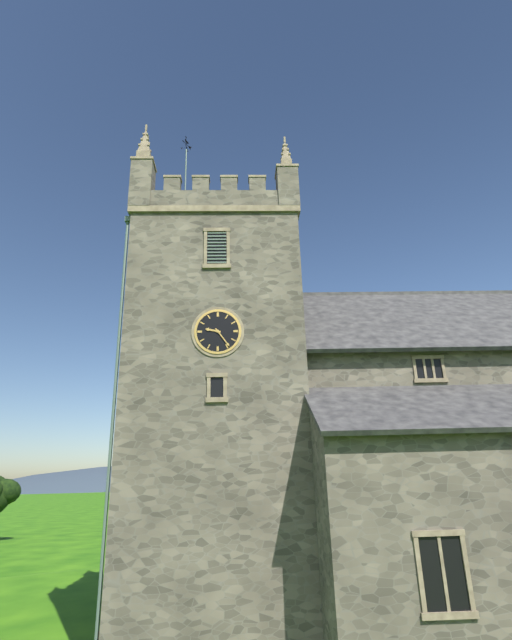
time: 9:24
